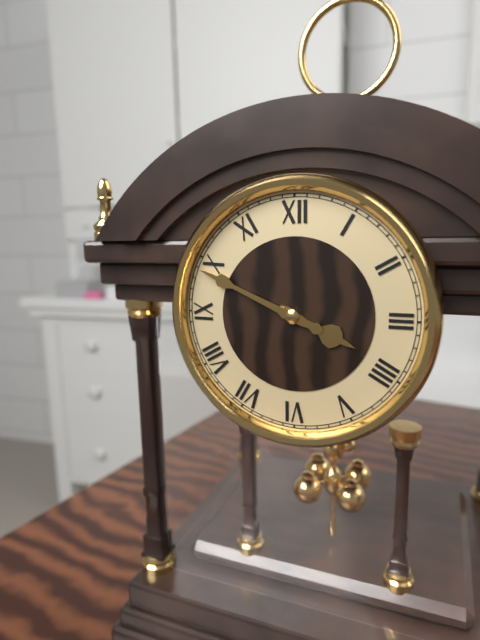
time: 3:49
